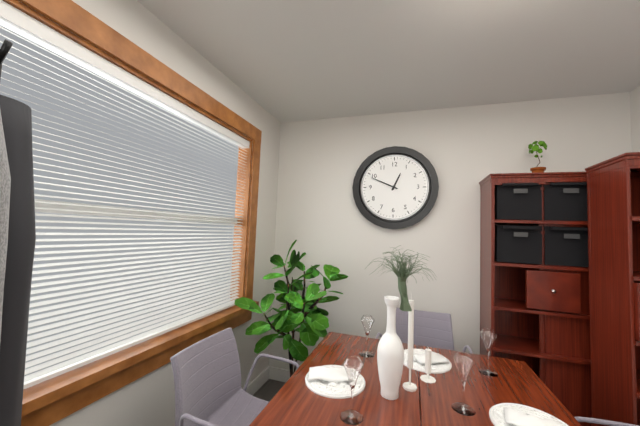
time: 12:49
